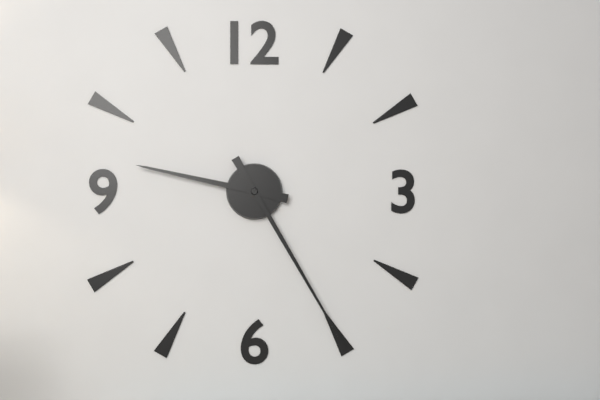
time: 9:25
